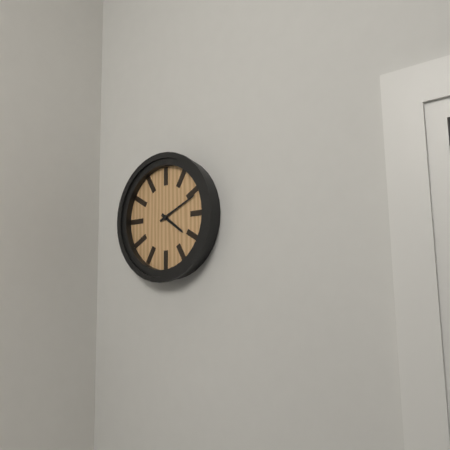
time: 4:11
